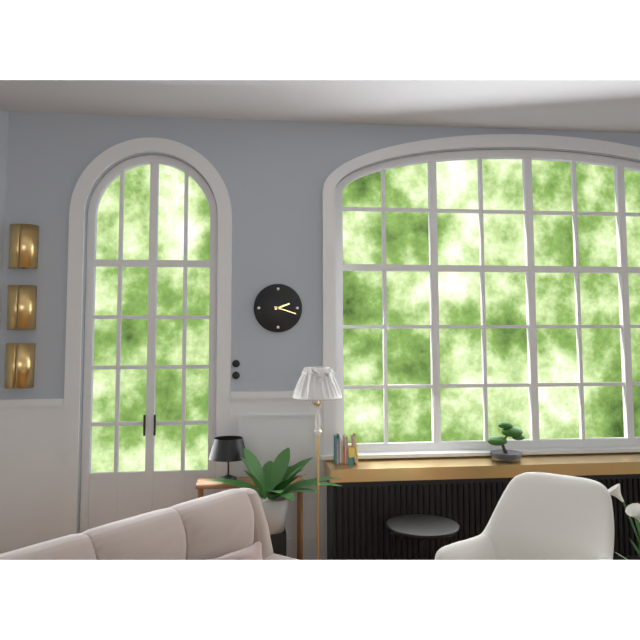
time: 2:18
